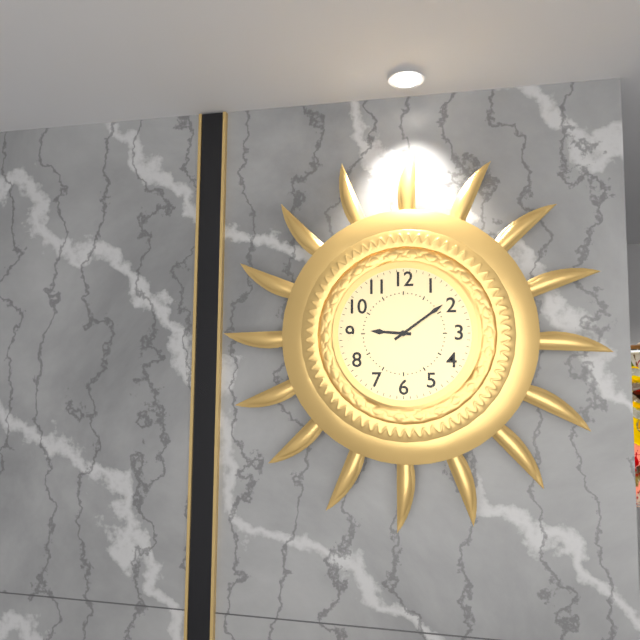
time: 9:09
